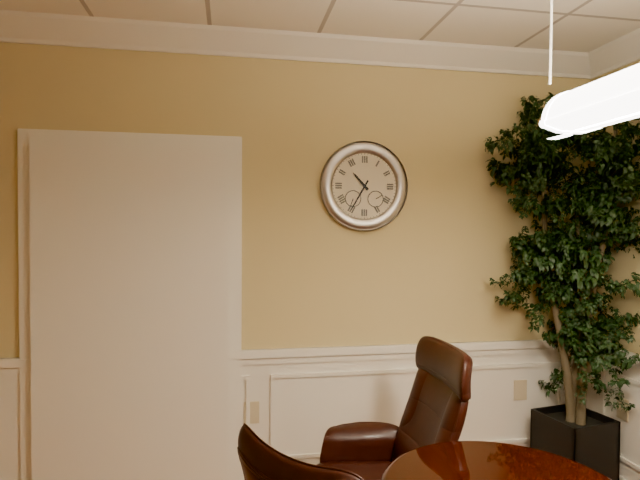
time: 10:35
